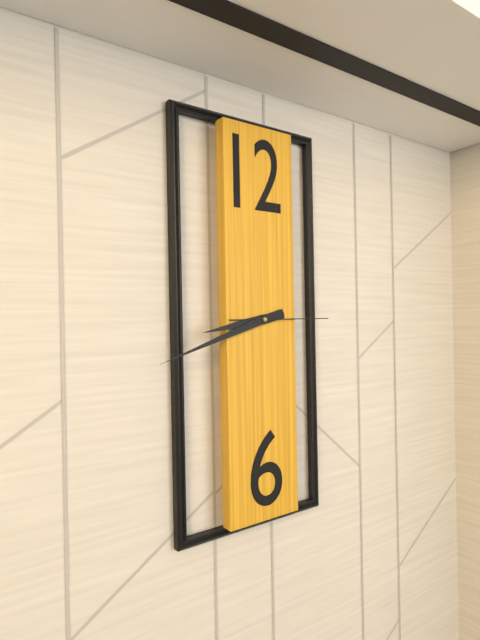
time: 8:42:15
